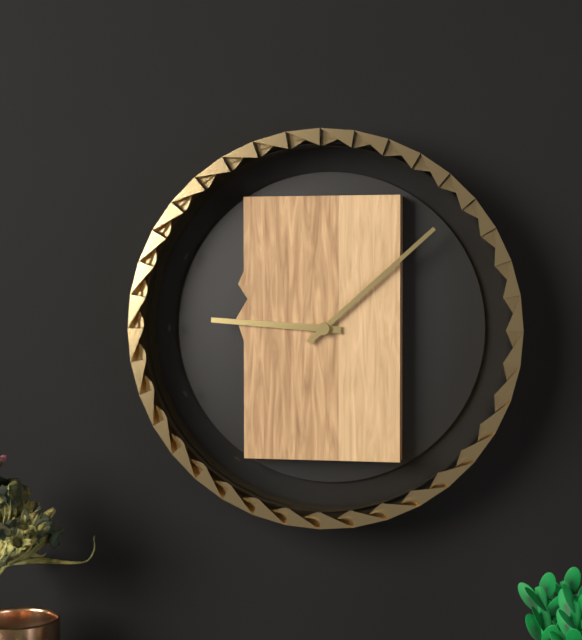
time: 9:08
